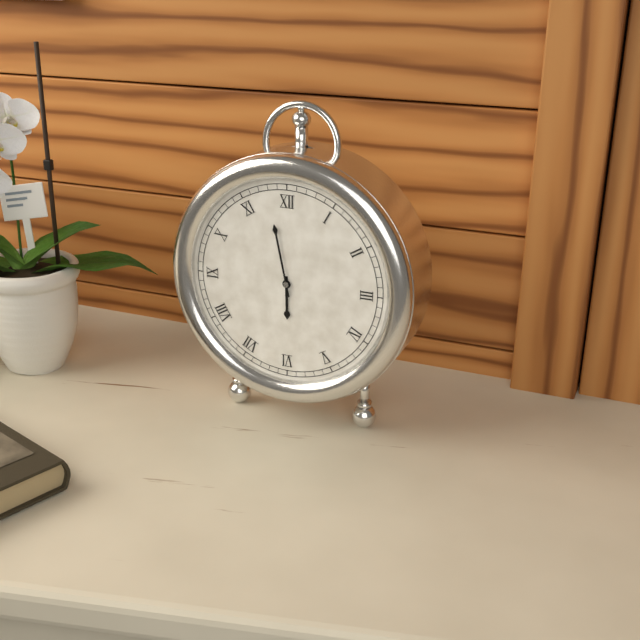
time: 5:58
